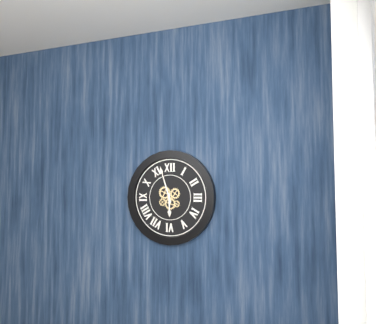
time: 5:57
